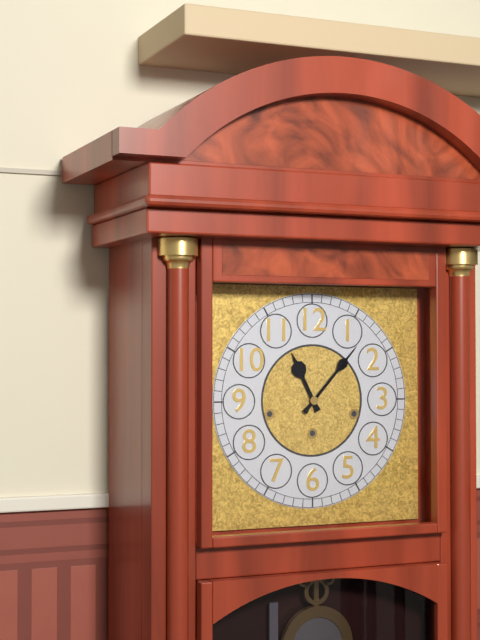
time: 11:07
